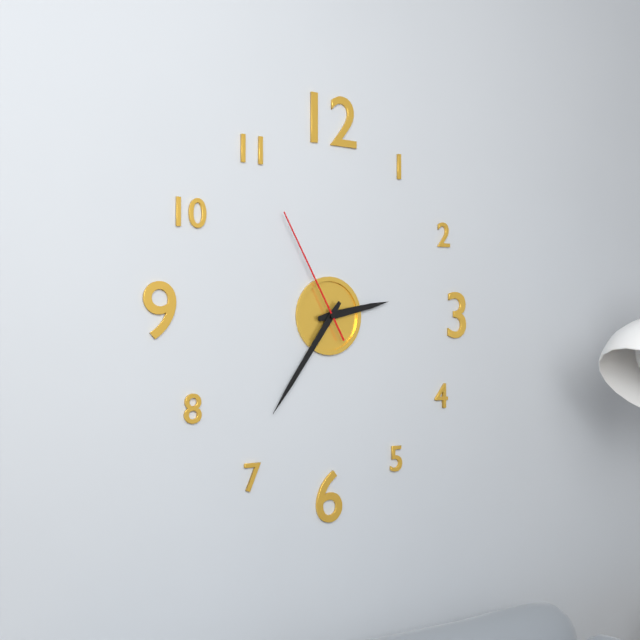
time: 2:36:55
